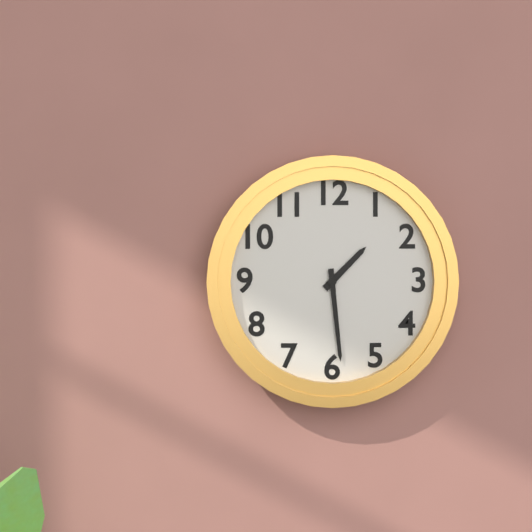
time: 1:29
